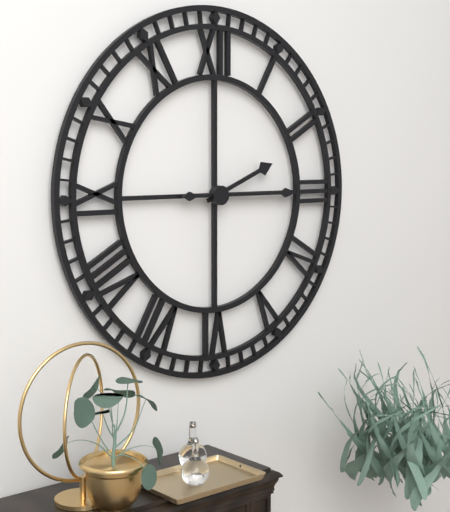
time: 2:15
